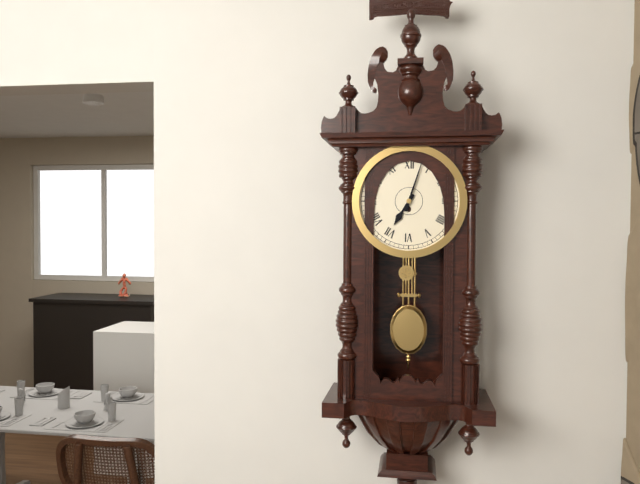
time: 7:03
